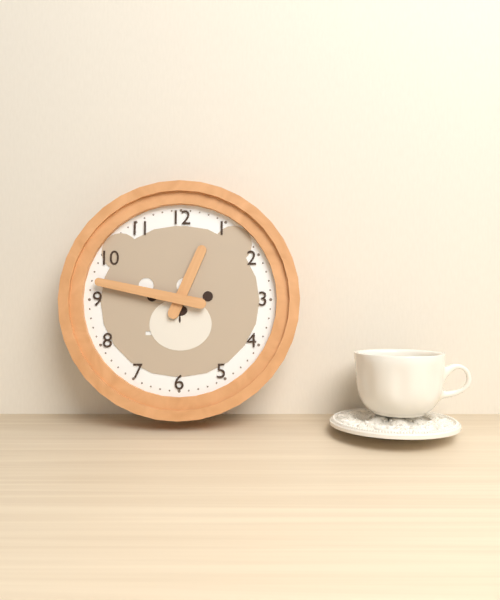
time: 12:47
